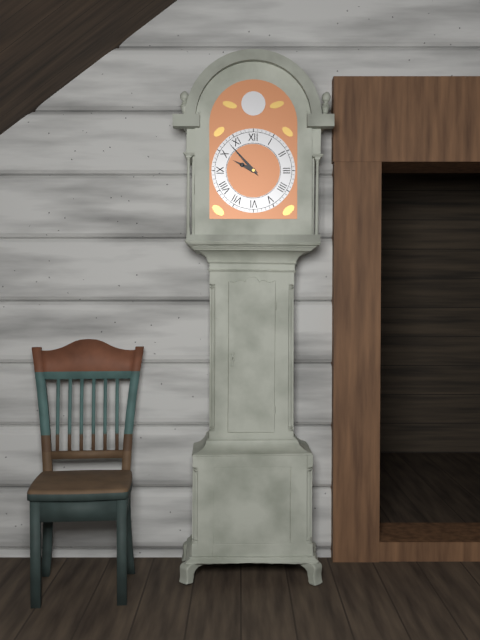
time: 9:53
